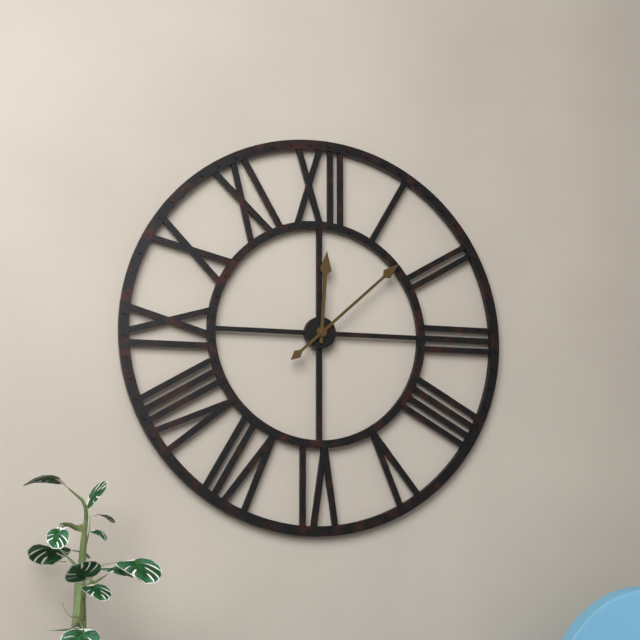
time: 12:08
